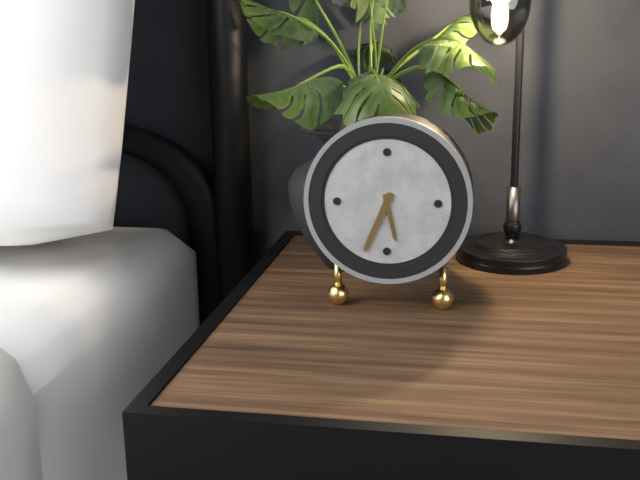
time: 5:34
